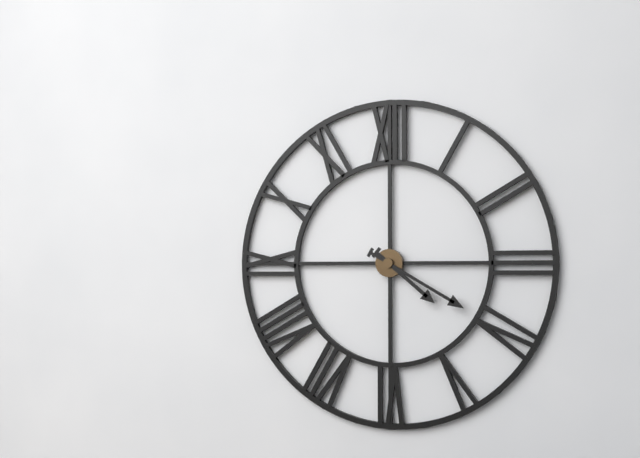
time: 4:20
